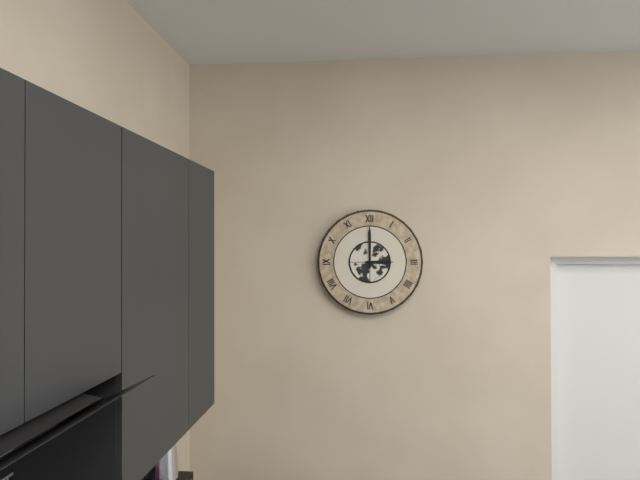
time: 3:00
